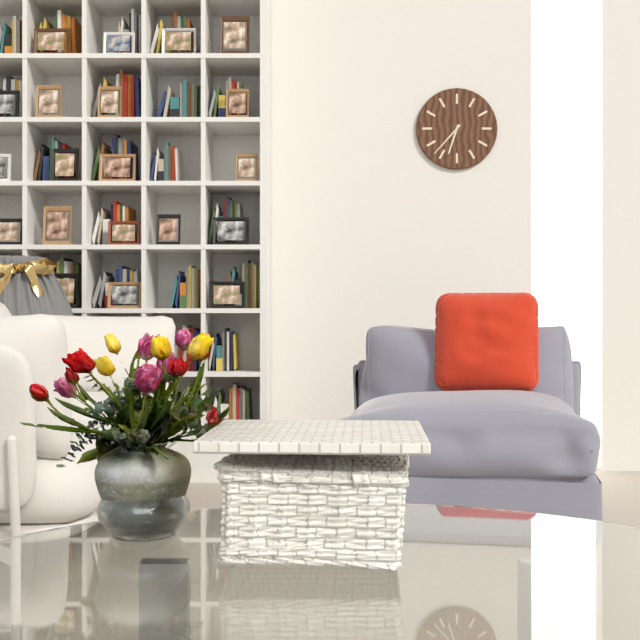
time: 6:37
